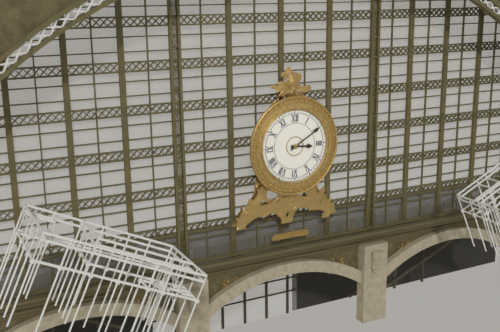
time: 3:10
